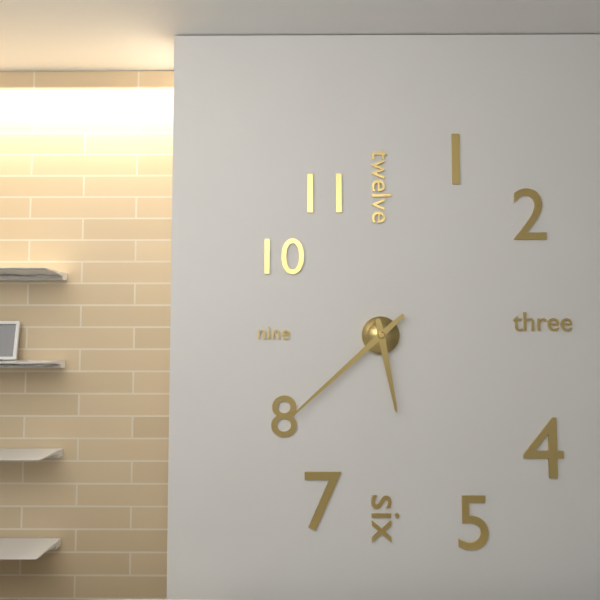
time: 5:38
